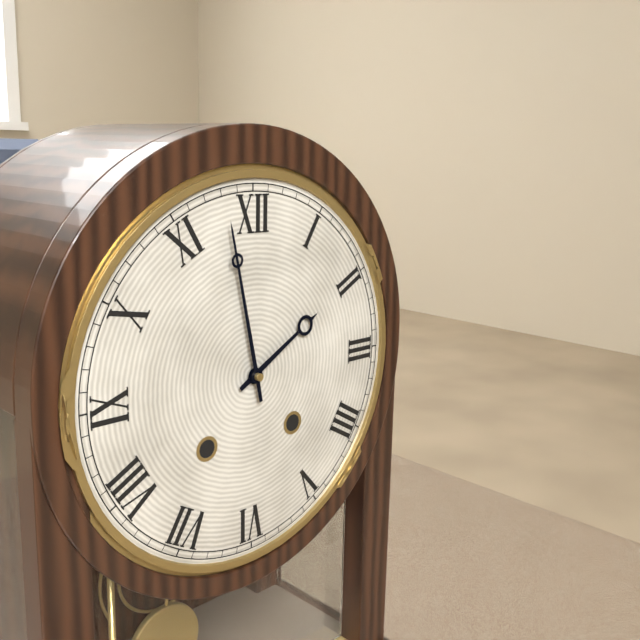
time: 1:58
